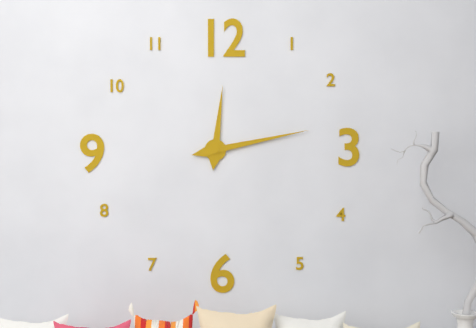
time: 12:13
